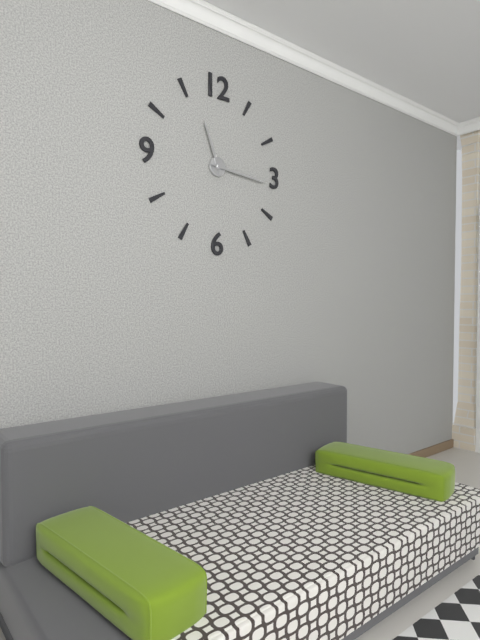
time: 11:16
